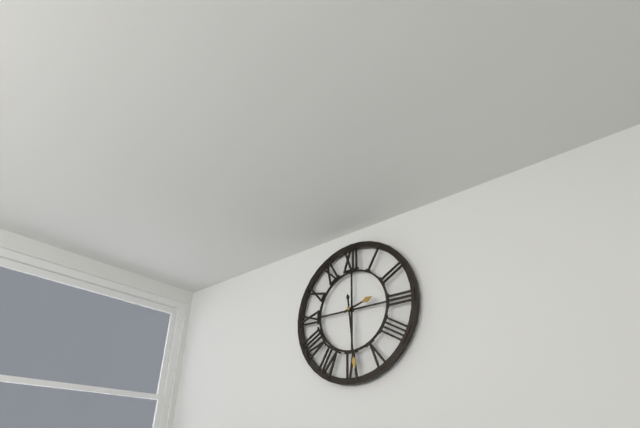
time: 2:29
